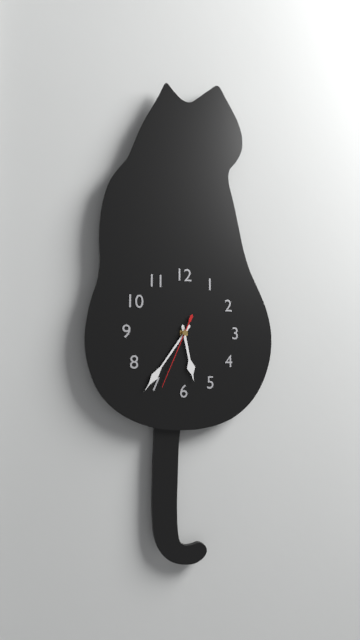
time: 5:36:34
